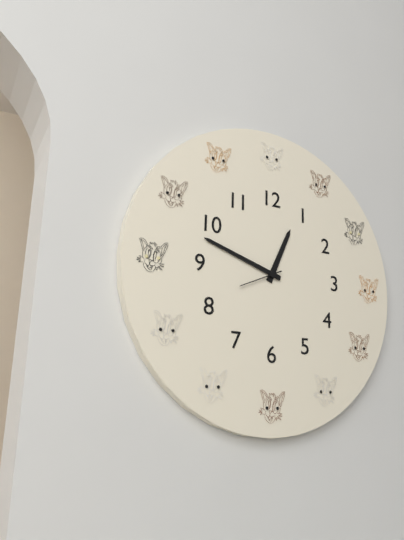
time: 12:48
